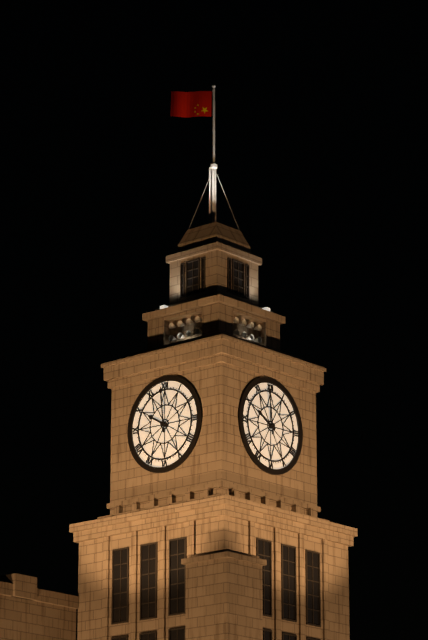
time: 9:59
